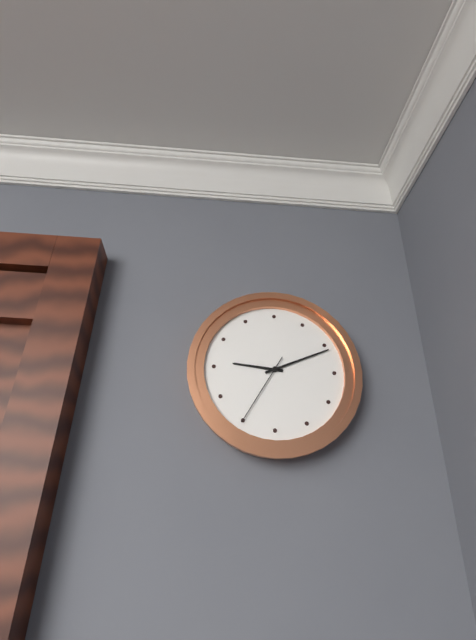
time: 9:11:35
